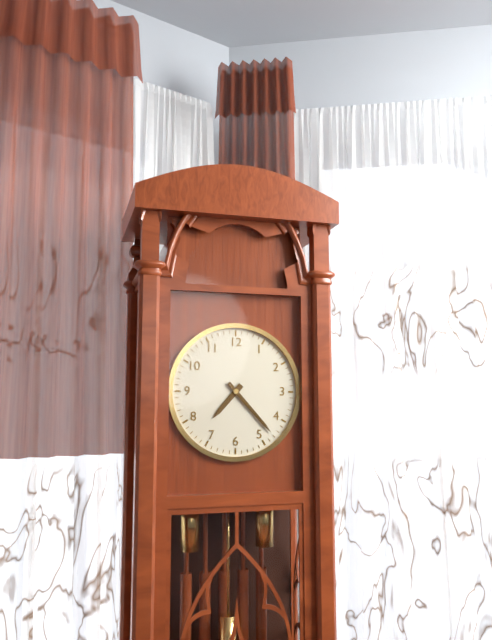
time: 7:23
